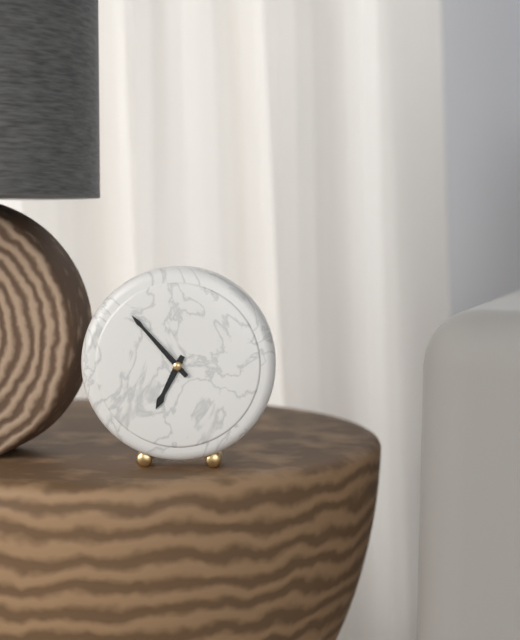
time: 6:53
